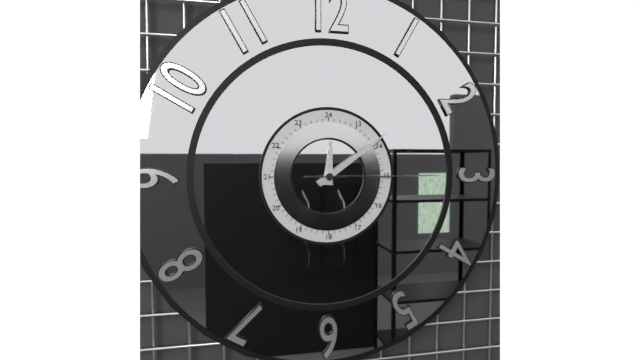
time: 12:09:15
